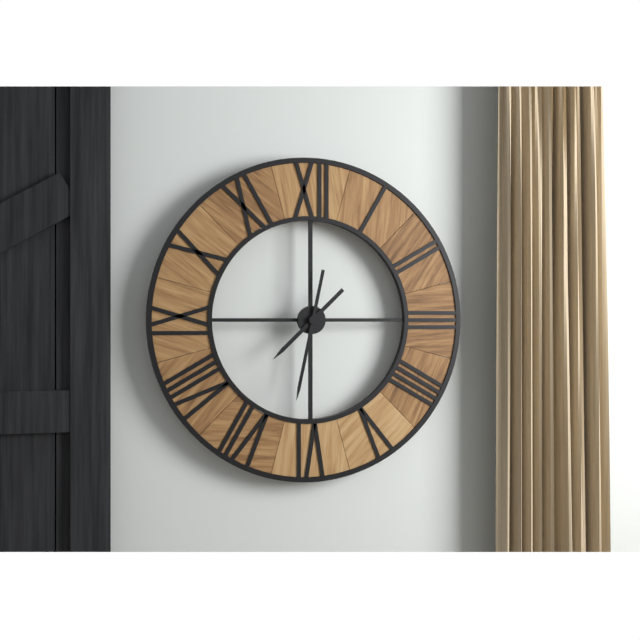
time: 7:32
